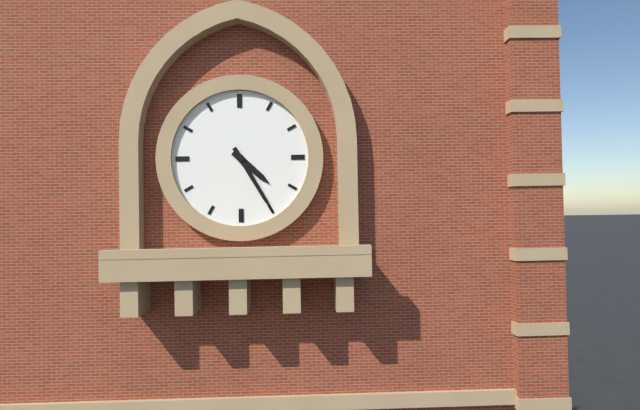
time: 4:25
